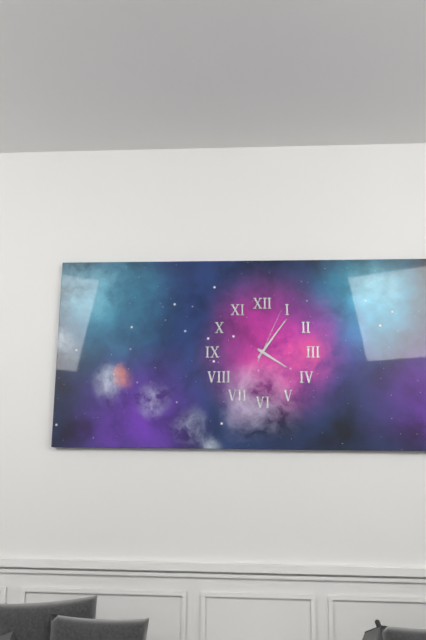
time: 4:06:04
